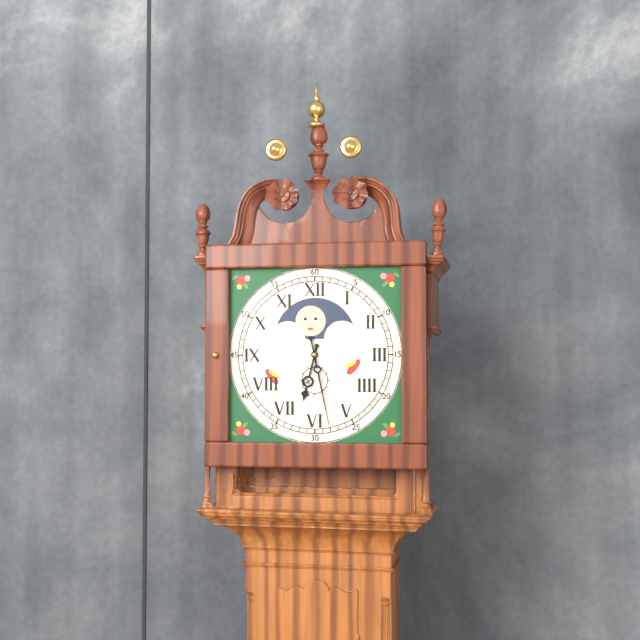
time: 6:28
